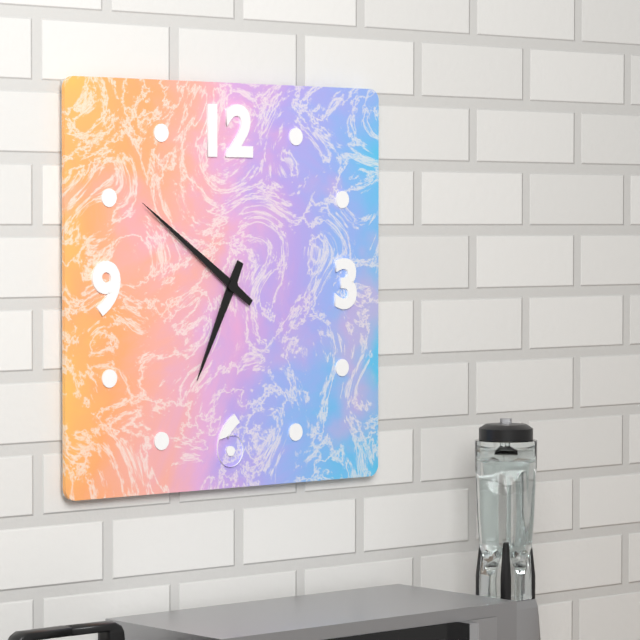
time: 6:51
